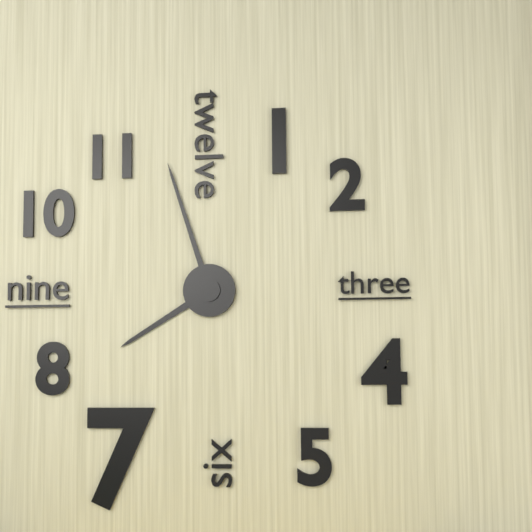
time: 7:57
